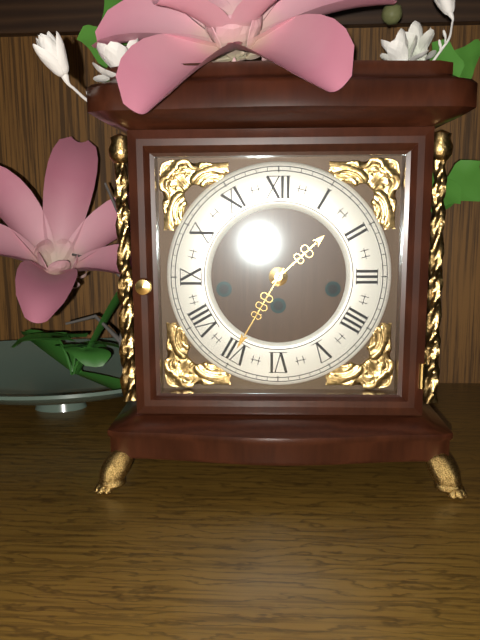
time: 1:35
